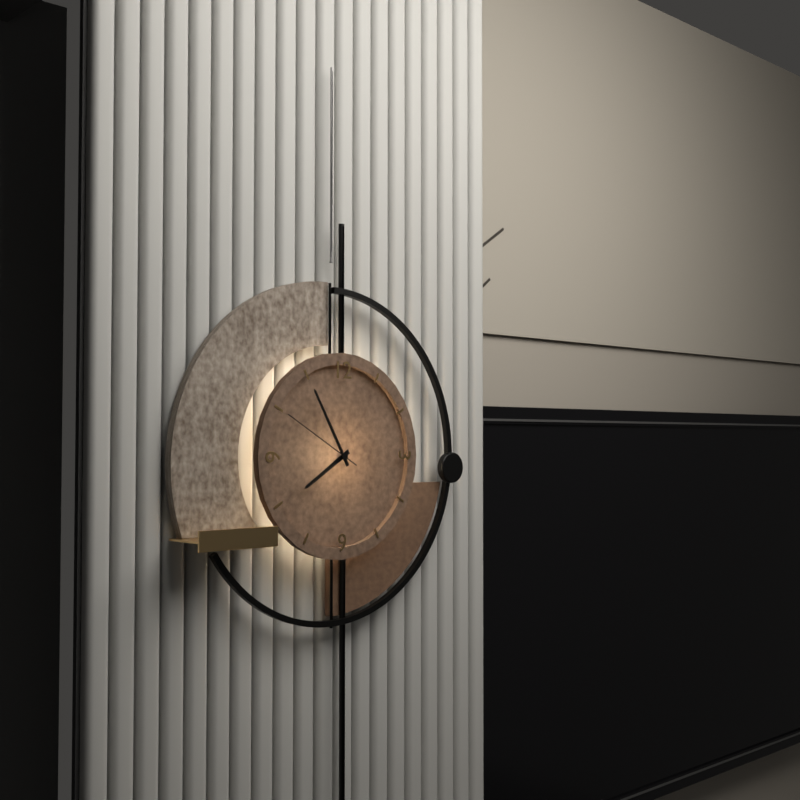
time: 7:55:50
